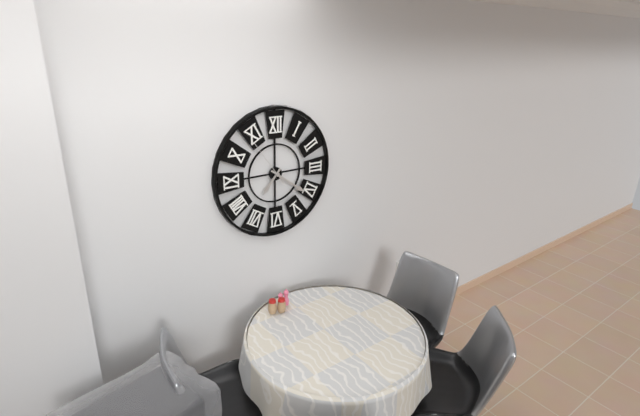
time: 7:21
